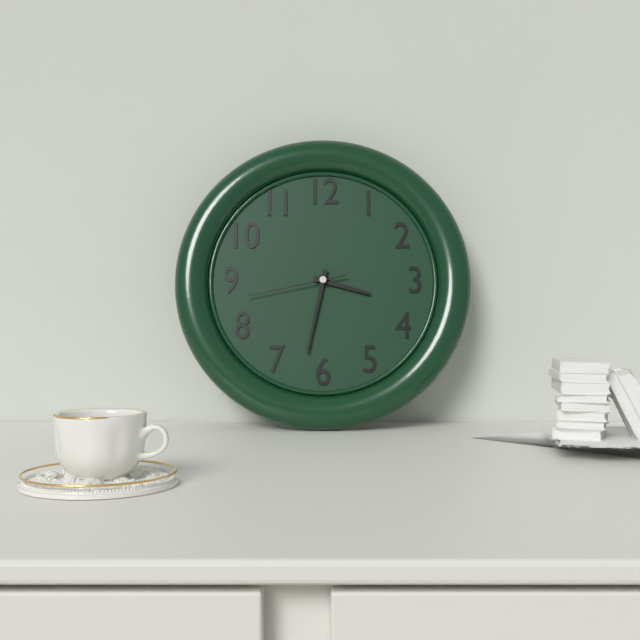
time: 3:32:43
